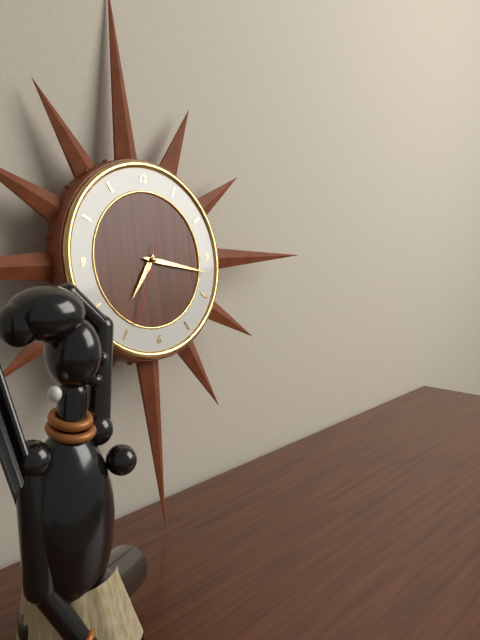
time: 7:17:34
